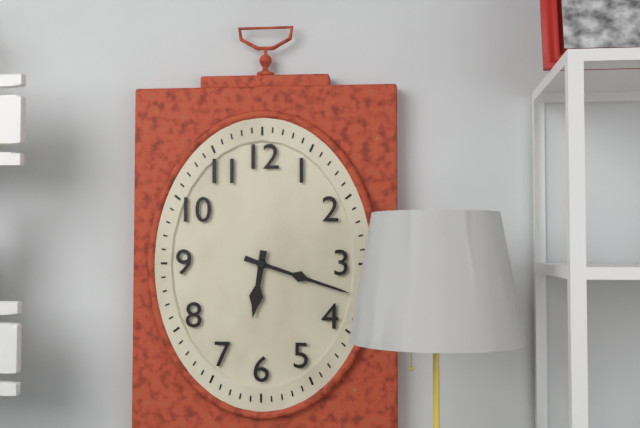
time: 6:18
